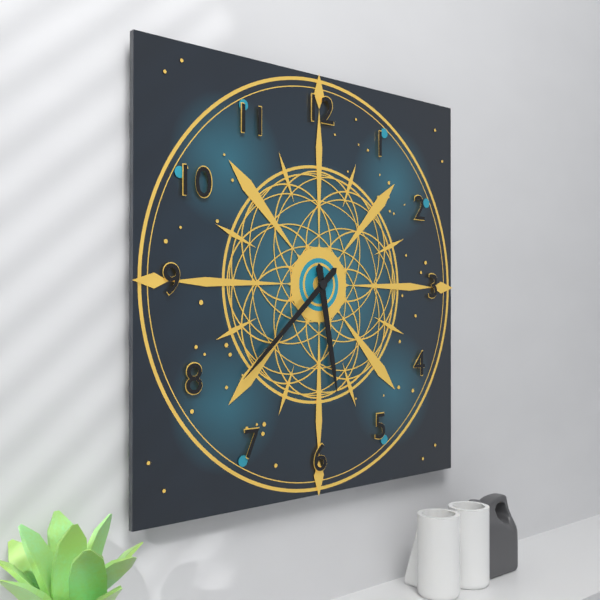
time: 5:38
